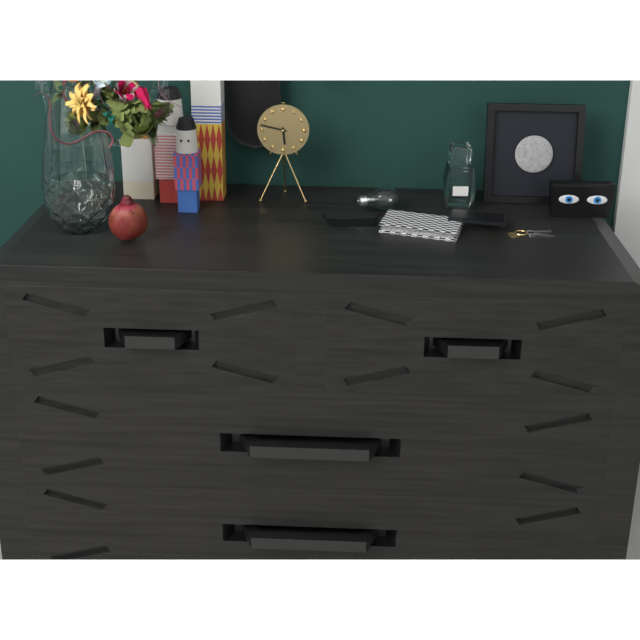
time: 5:47
